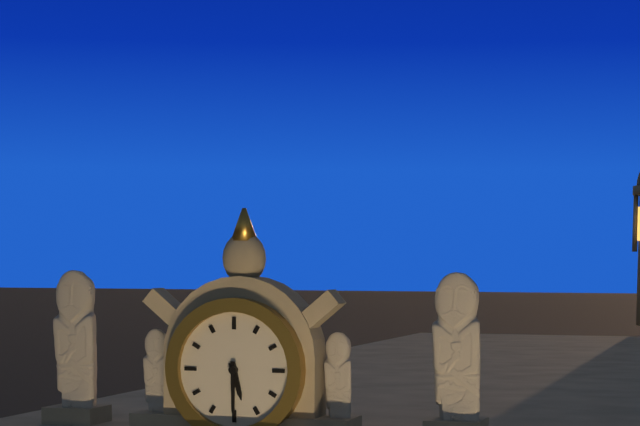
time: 5:30
